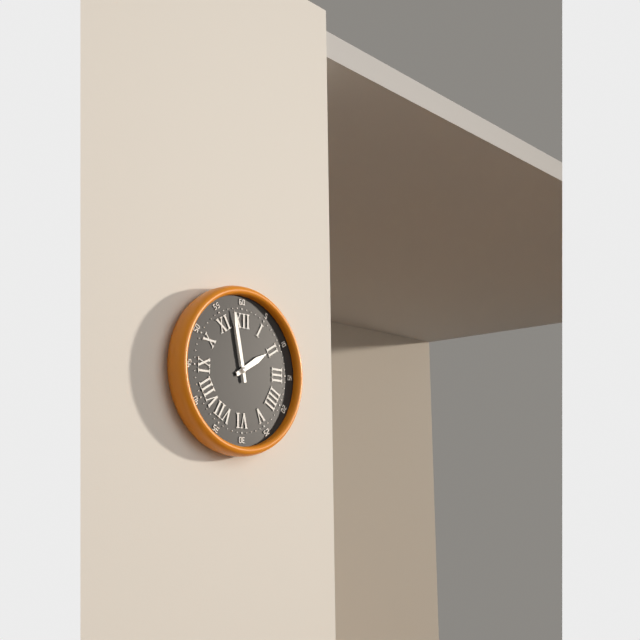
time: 1:58
